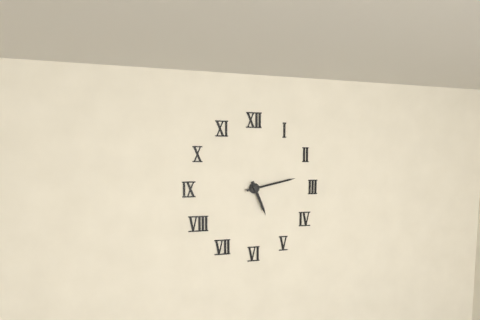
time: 5:13
